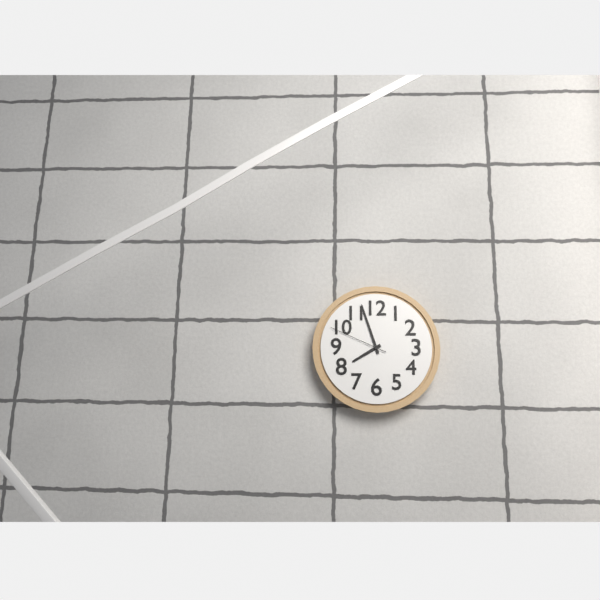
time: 7:57:49
